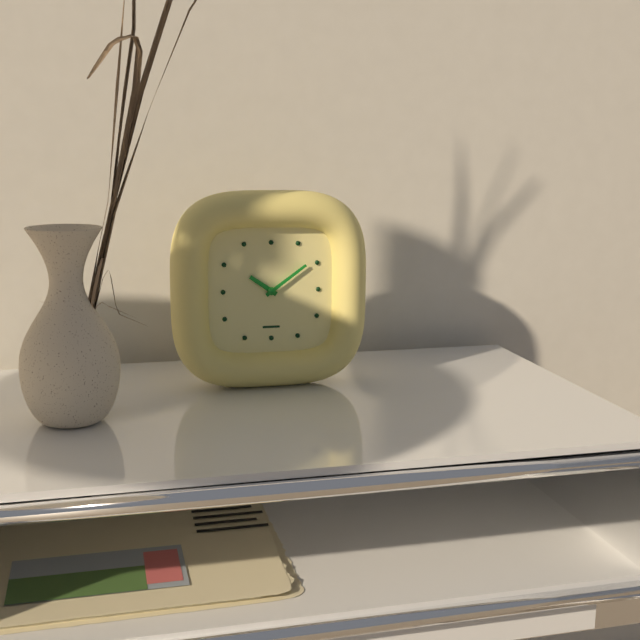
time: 10:09
